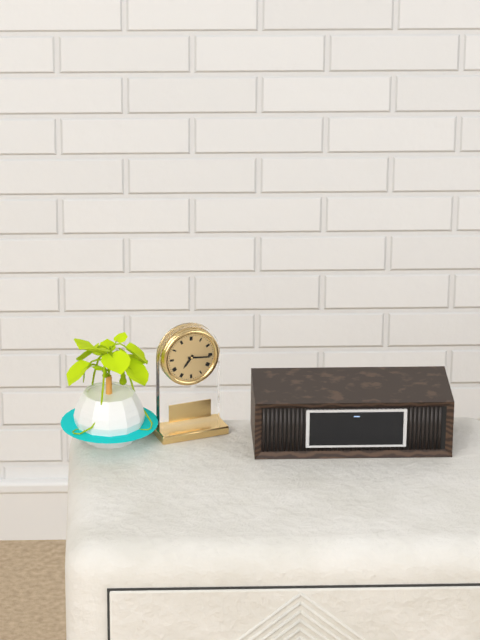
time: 7:16
